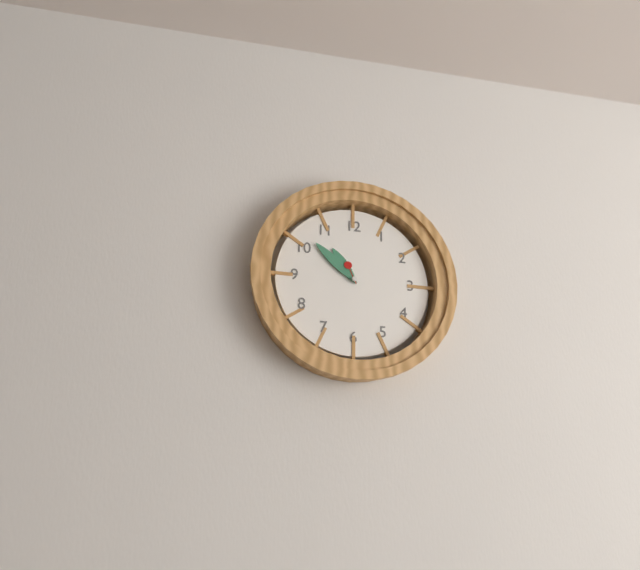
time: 10:52
